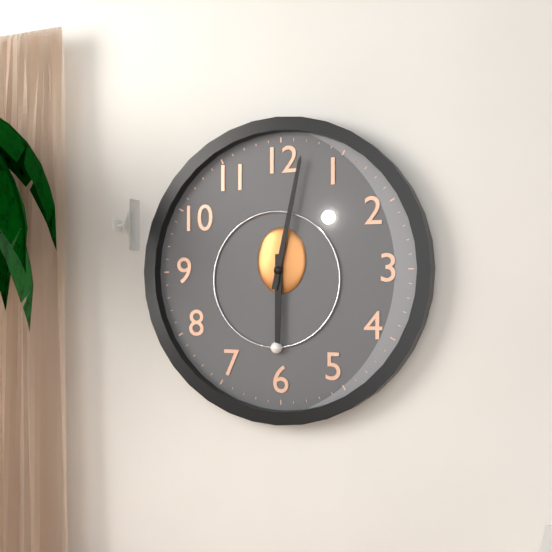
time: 6:02
